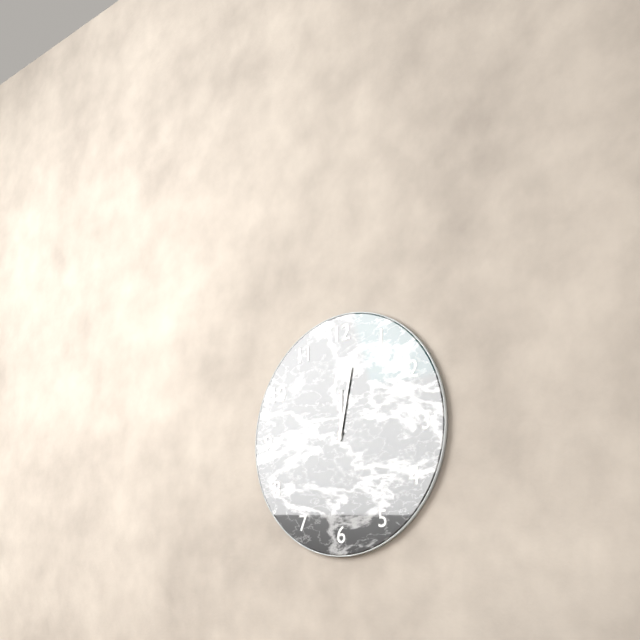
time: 12:02
